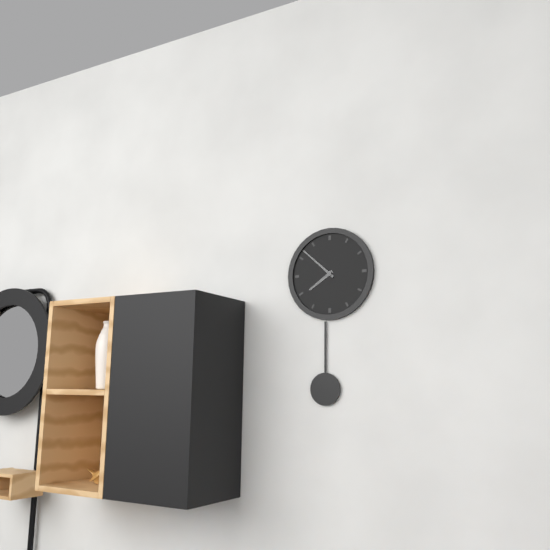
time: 7:52
